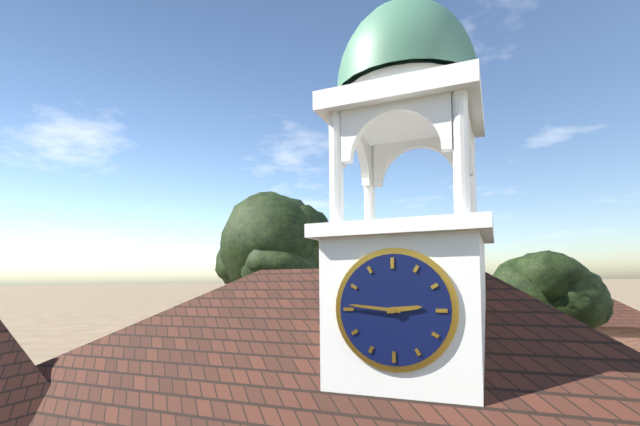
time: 2:46
